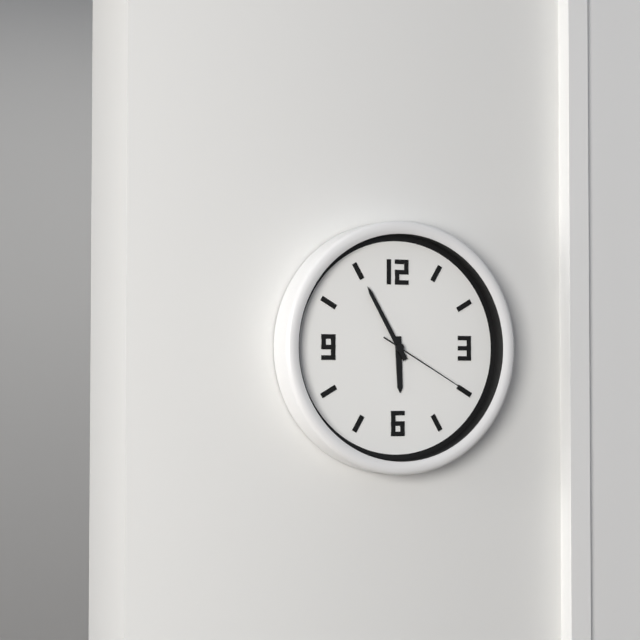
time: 5:55:20
